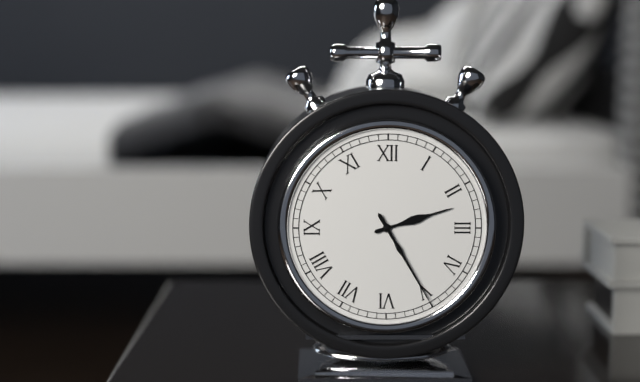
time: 2:25
